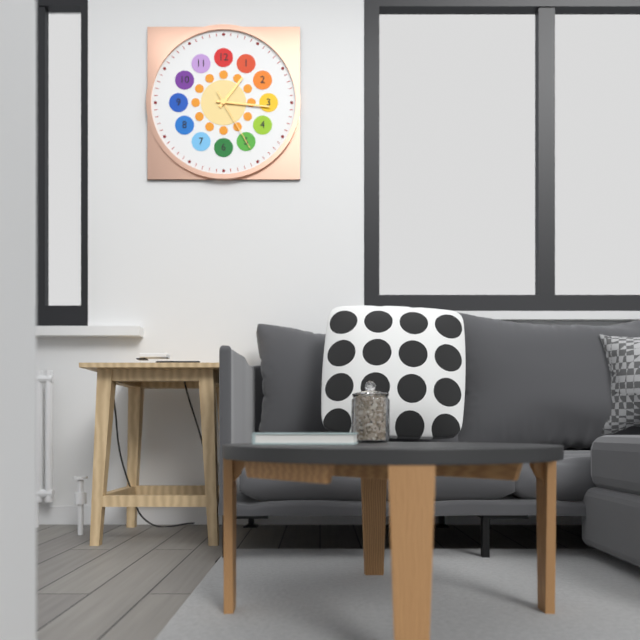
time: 1:16:25
